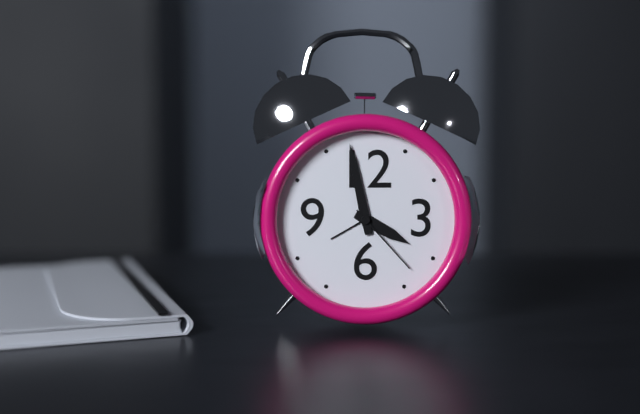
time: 3:58:23
